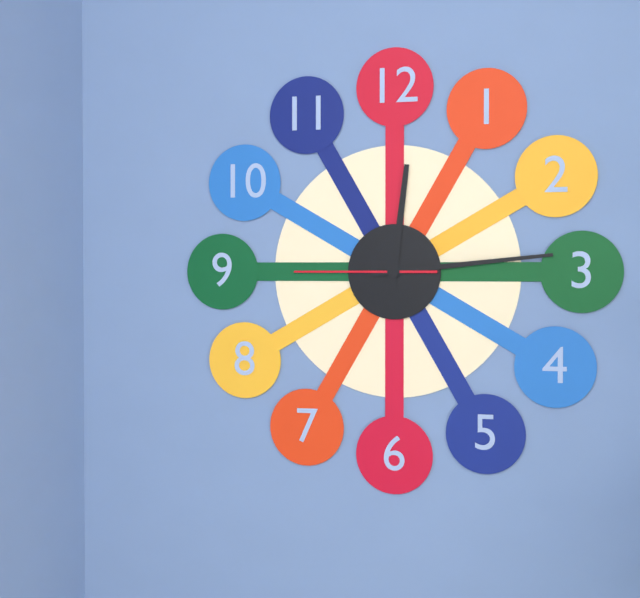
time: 12:14:45
